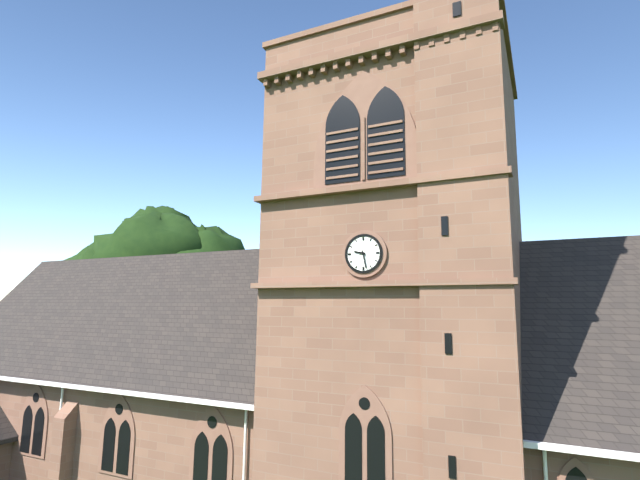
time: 9:28
